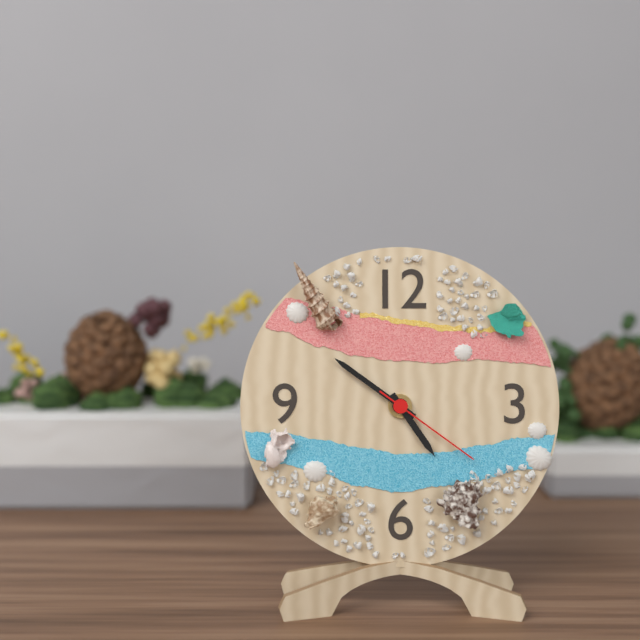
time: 4:51:21
